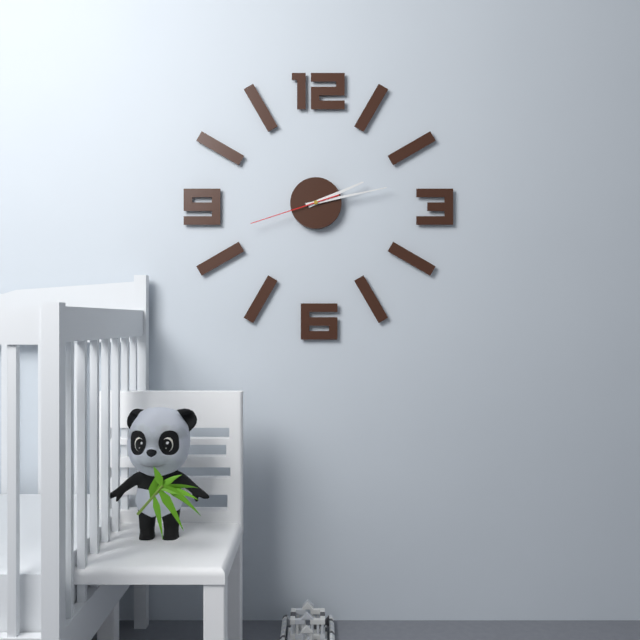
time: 2:13:42
